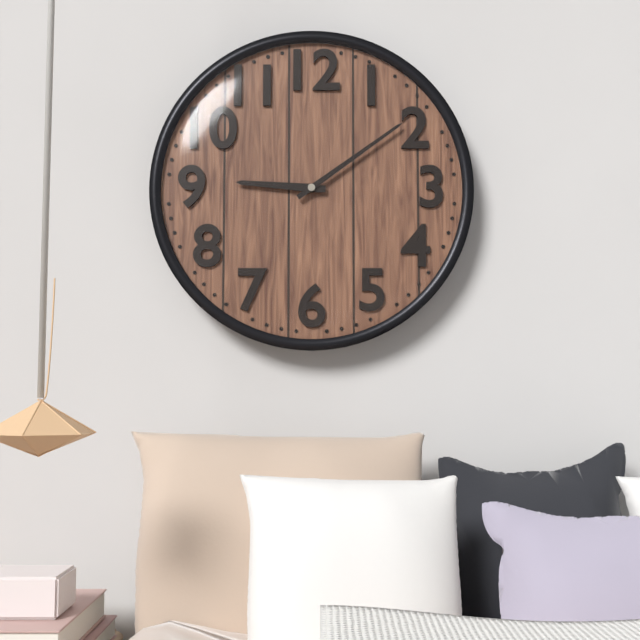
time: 9:09
